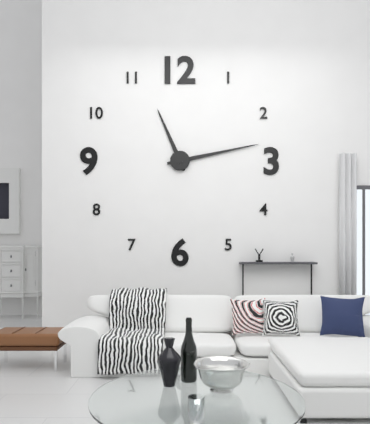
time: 11:13
